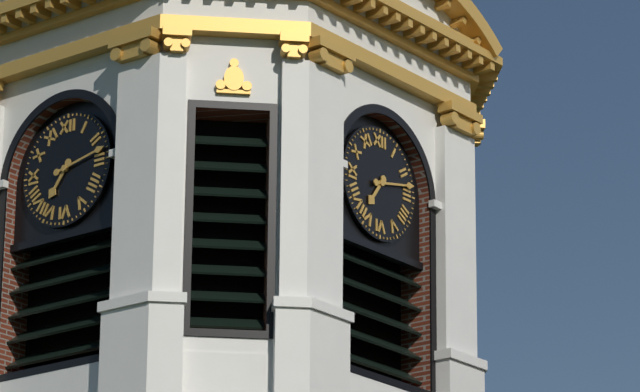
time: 7:13
